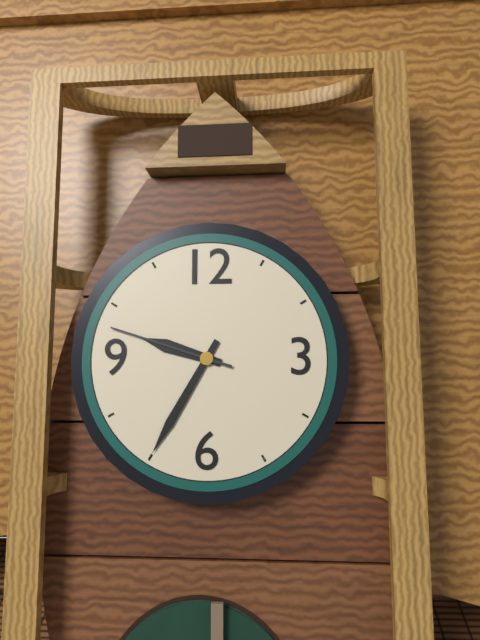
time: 9:35:48
